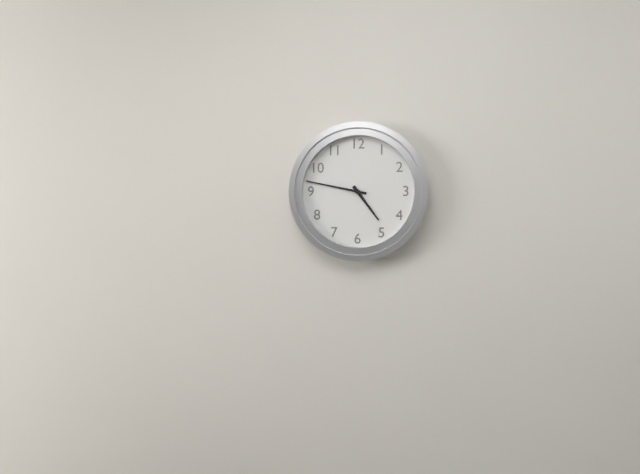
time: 4:47
